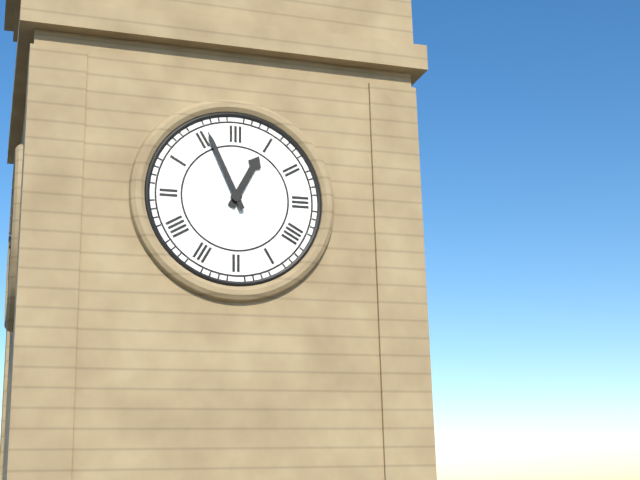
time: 12:56
